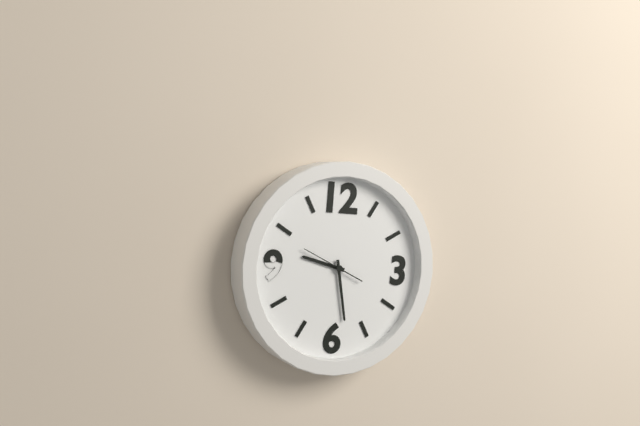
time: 9:28
